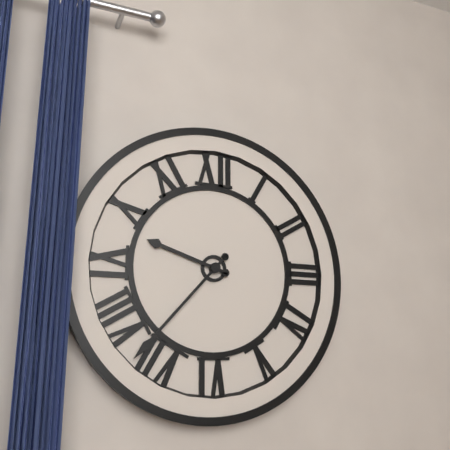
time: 9:37
